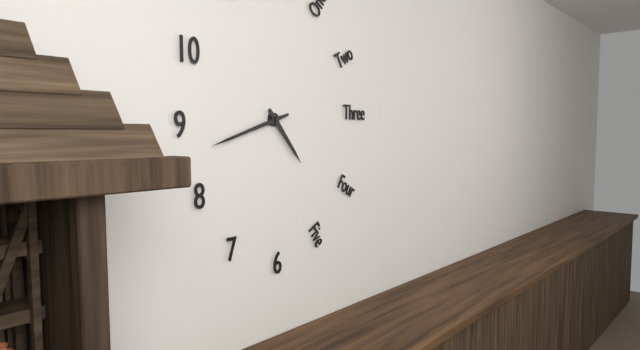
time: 4:42
